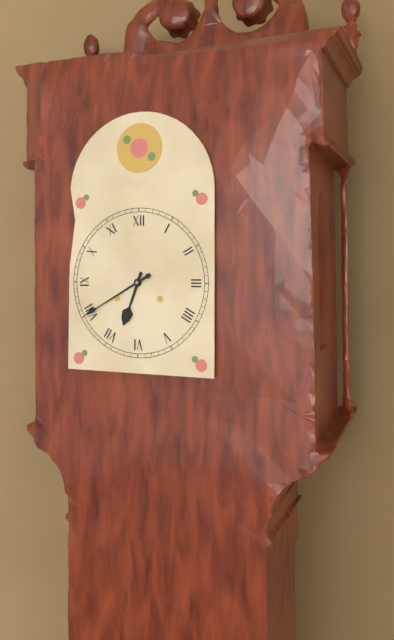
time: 6:40
